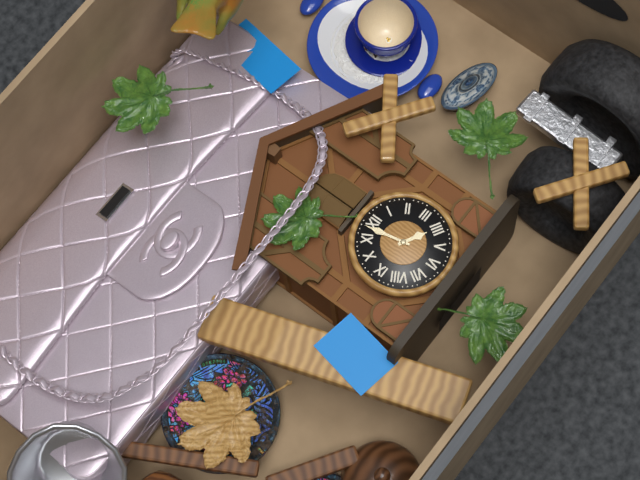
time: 3:58
